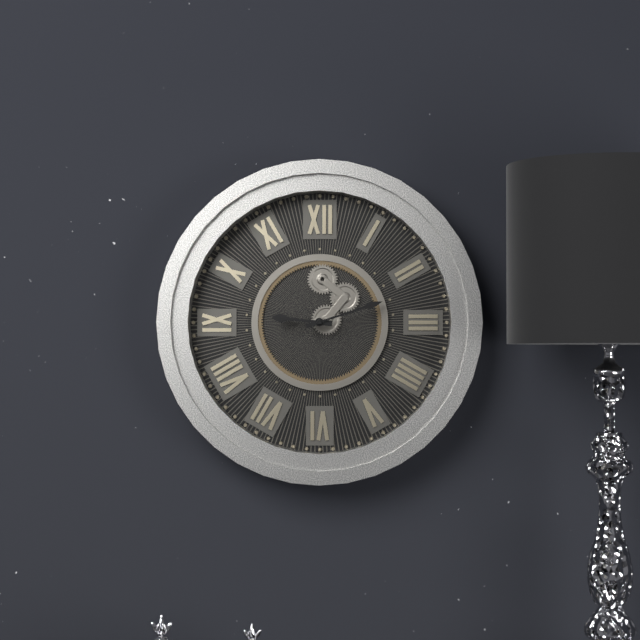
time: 9:12
